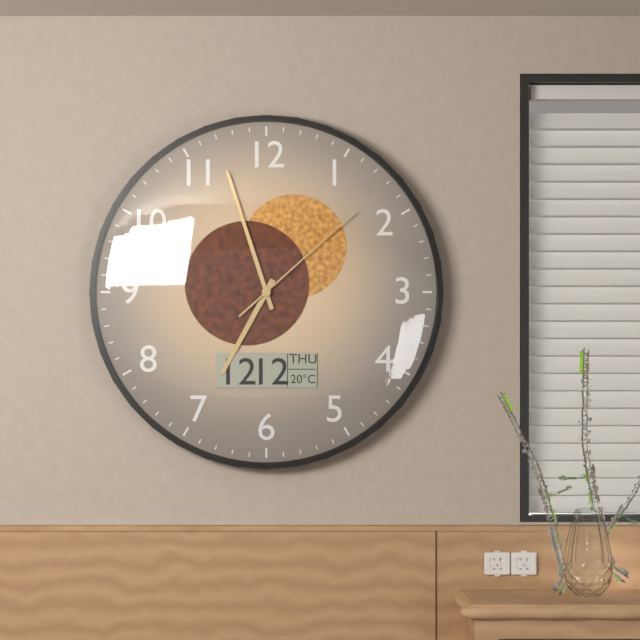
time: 6:57:08
